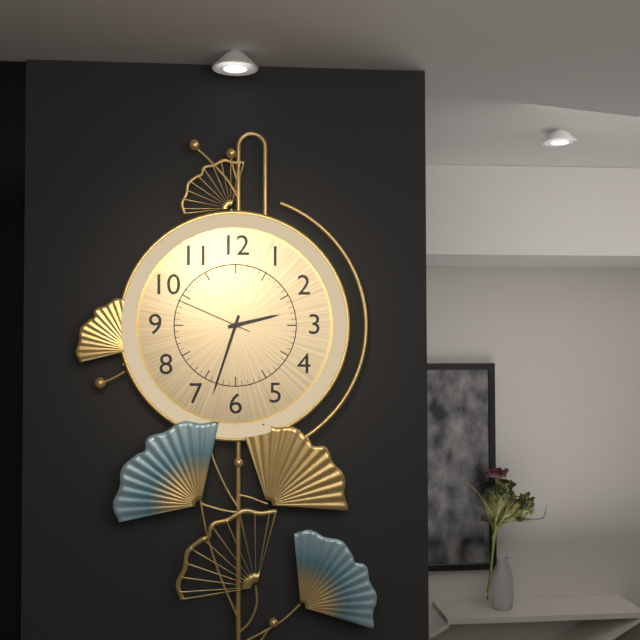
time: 2:33:49
